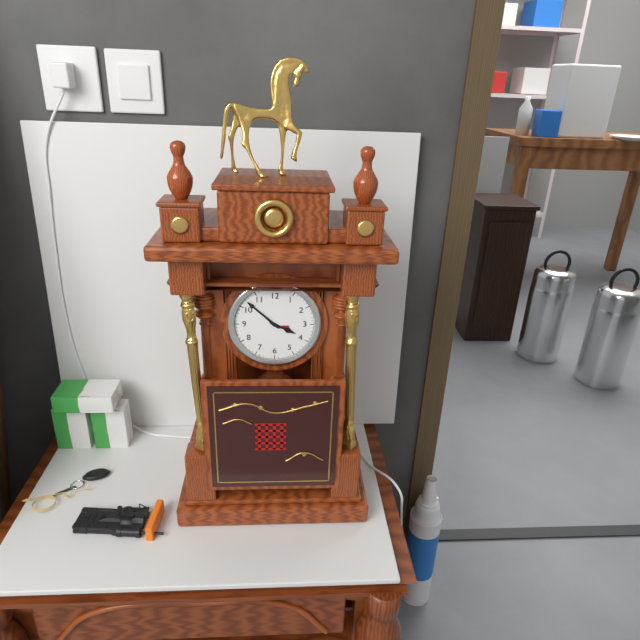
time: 3:52
